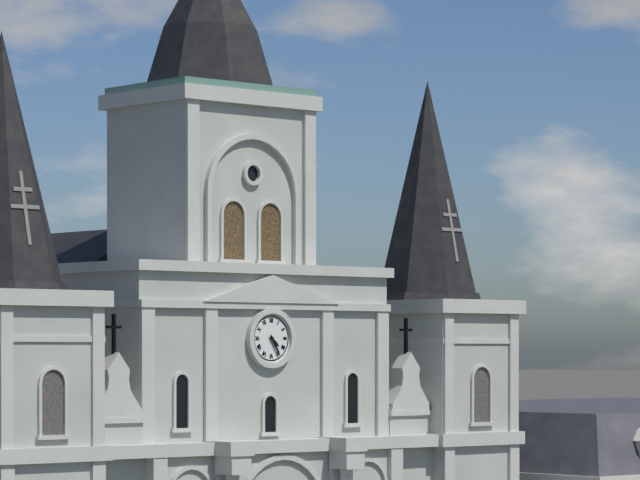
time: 4:25
